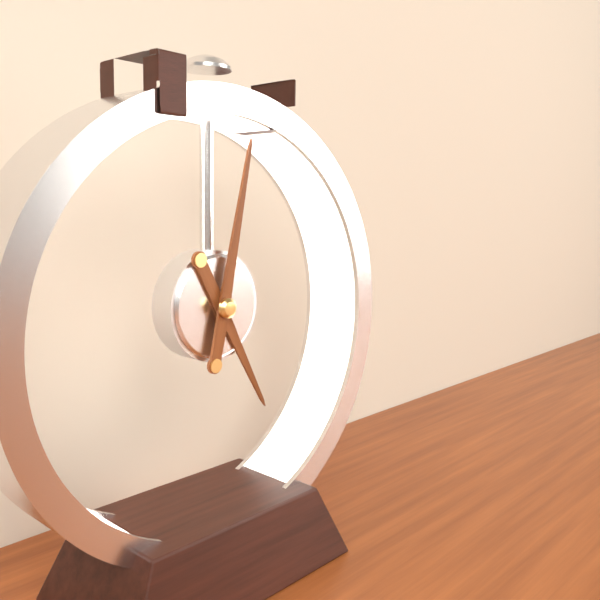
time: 5:02
